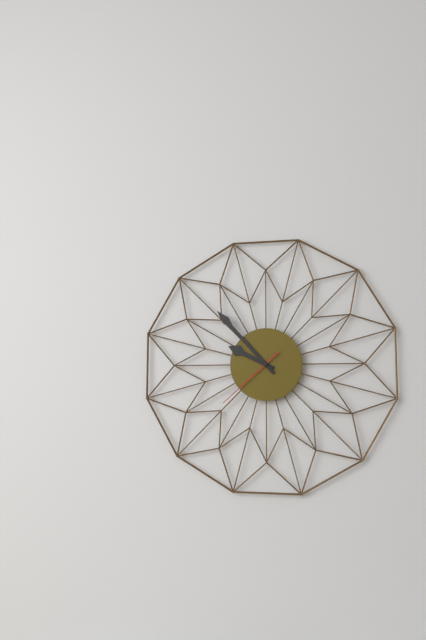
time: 9:53:38
